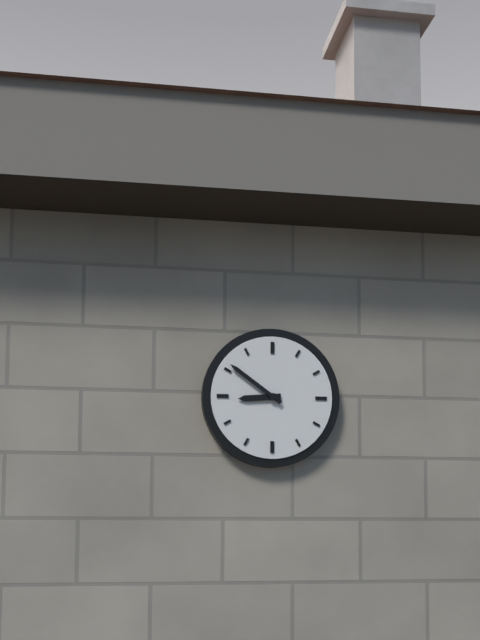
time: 8:51
